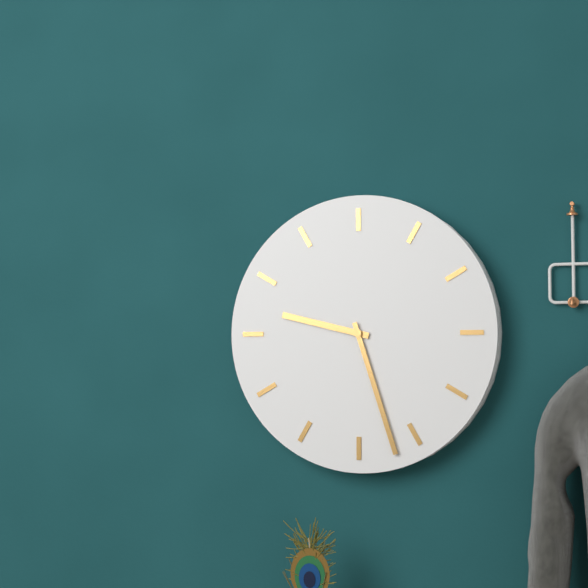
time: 9:27
